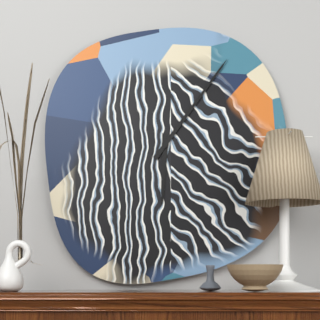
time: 6:06
